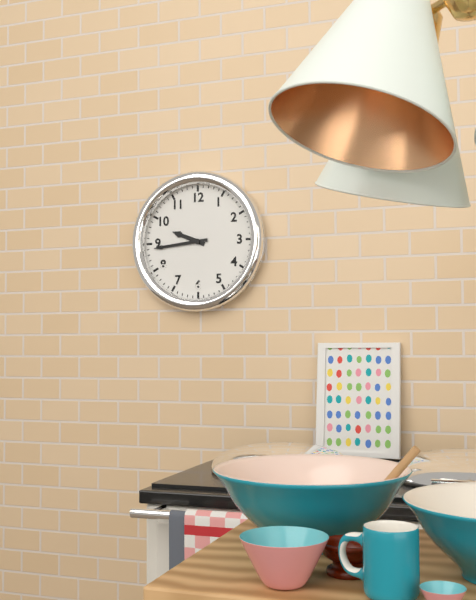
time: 9:44
